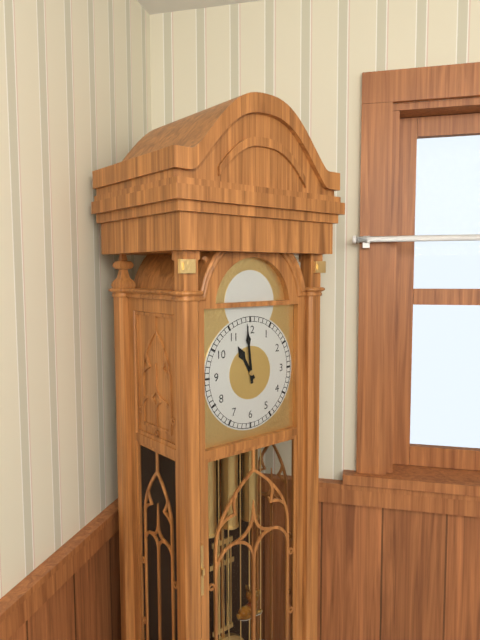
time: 10:59
